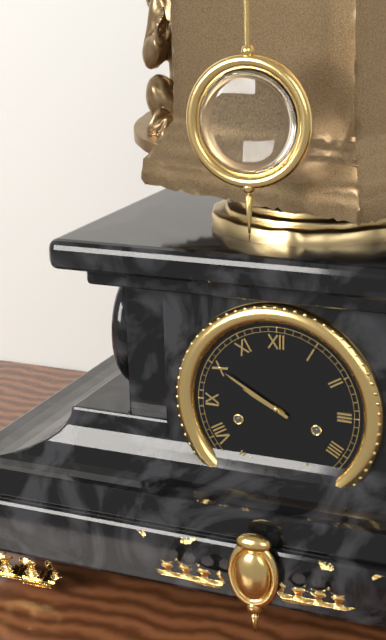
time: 9:50
